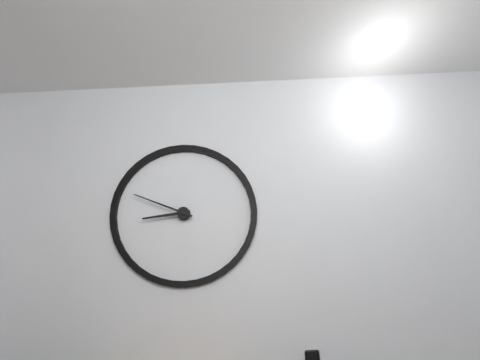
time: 8:49
